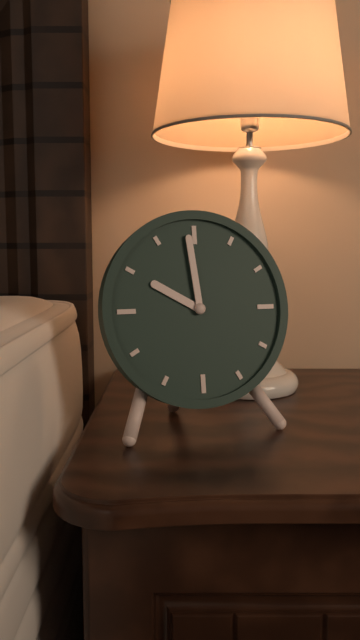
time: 9:59
